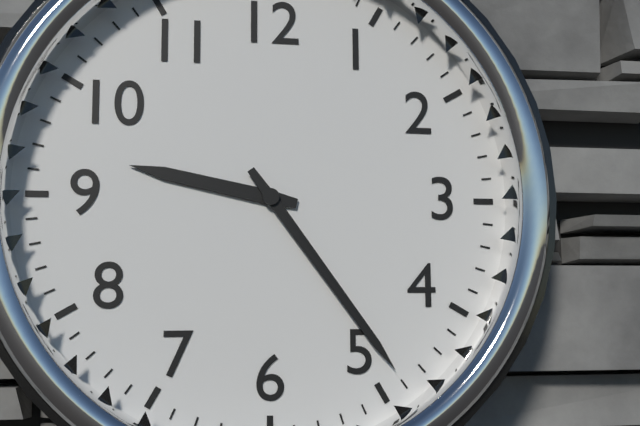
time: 9:24
